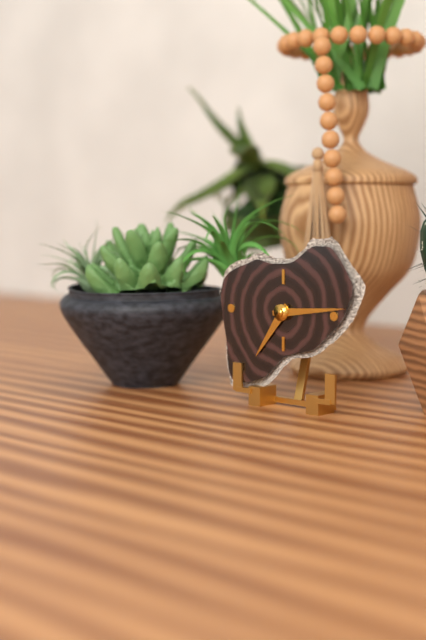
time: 7:14
